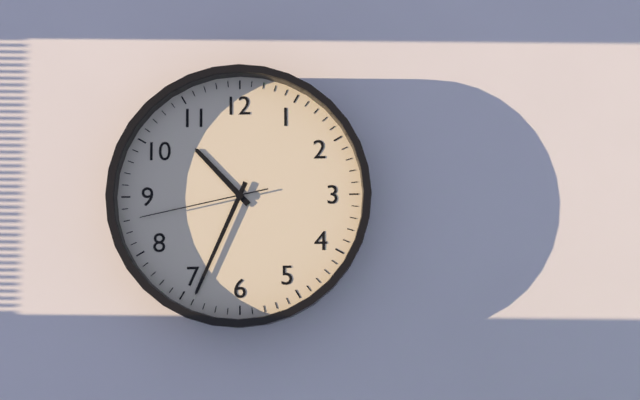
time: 10:34:43
